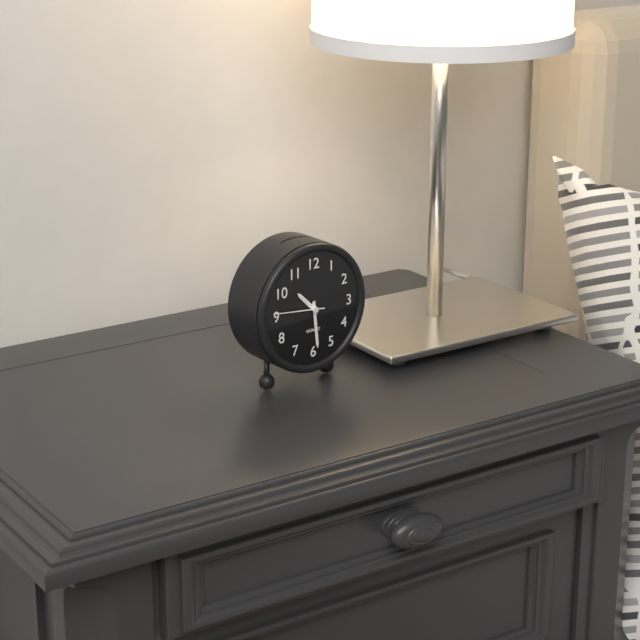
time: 10:29:46
